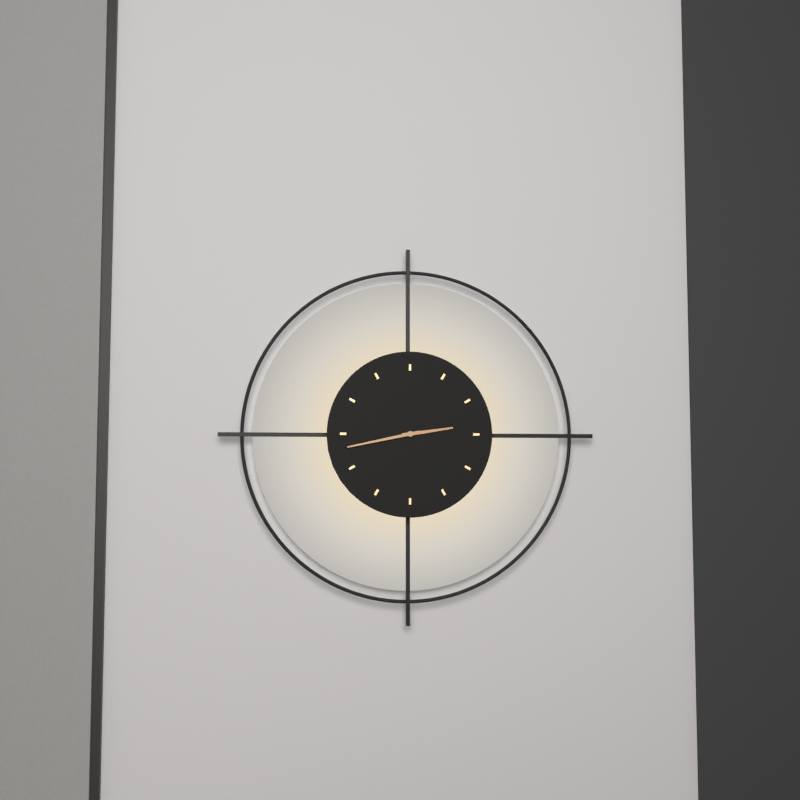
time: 2:43
